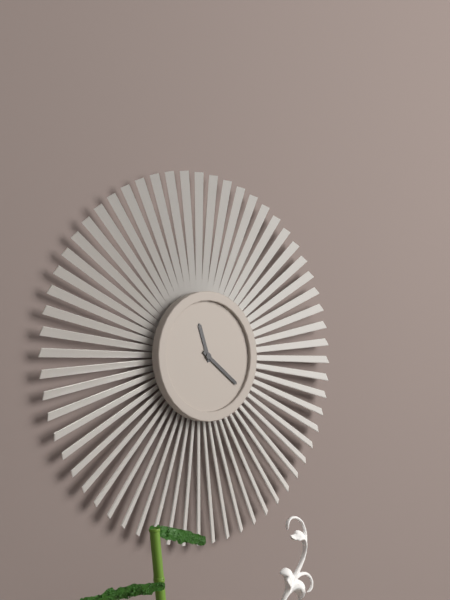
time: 11:21
